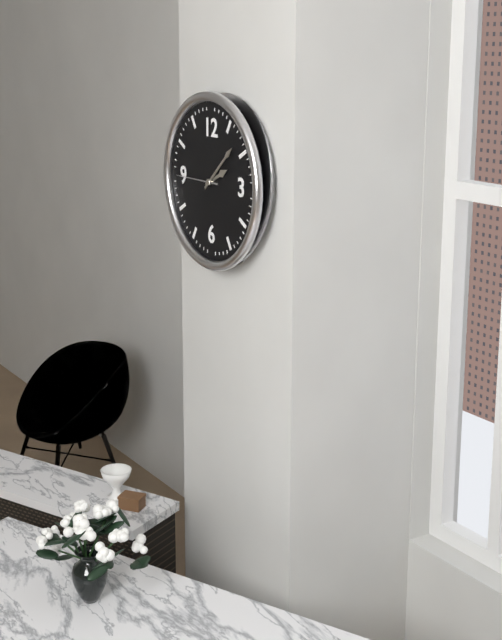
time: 2:08:45
